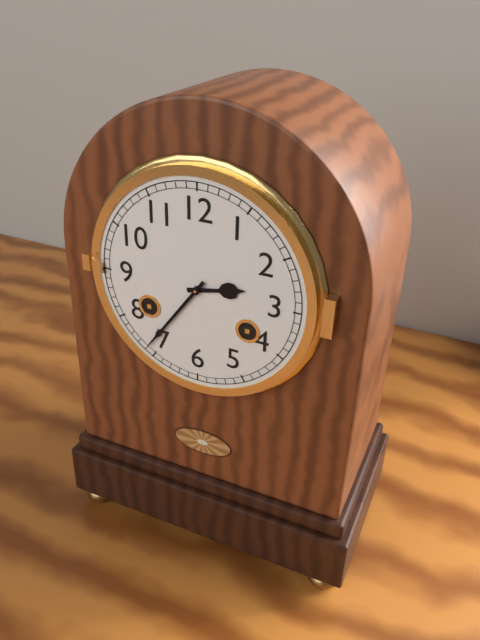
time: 2:36
